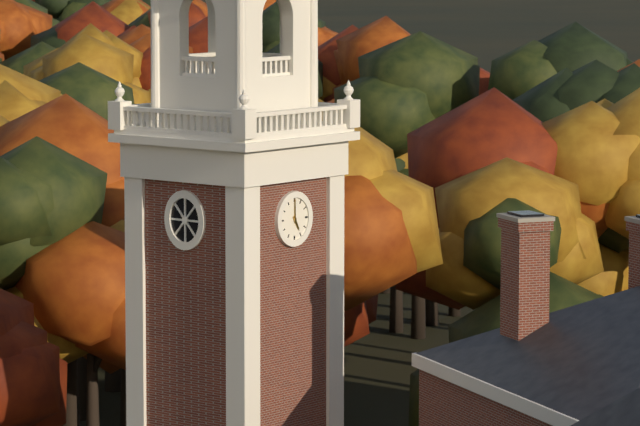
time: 5:00
